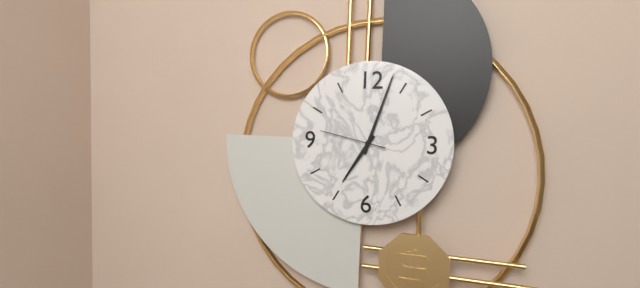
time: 7:03:47
